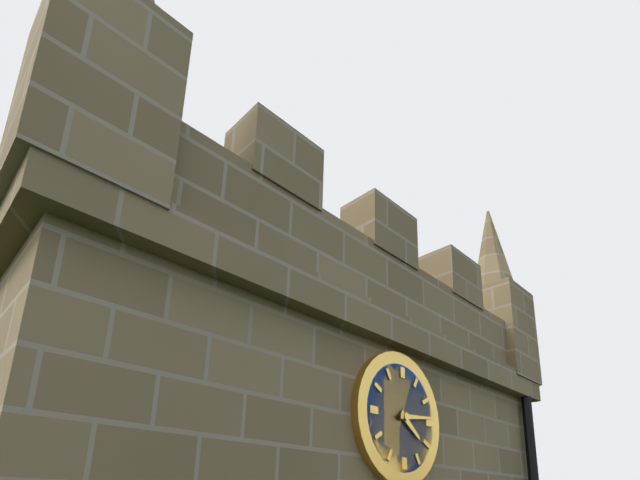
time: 4:14
